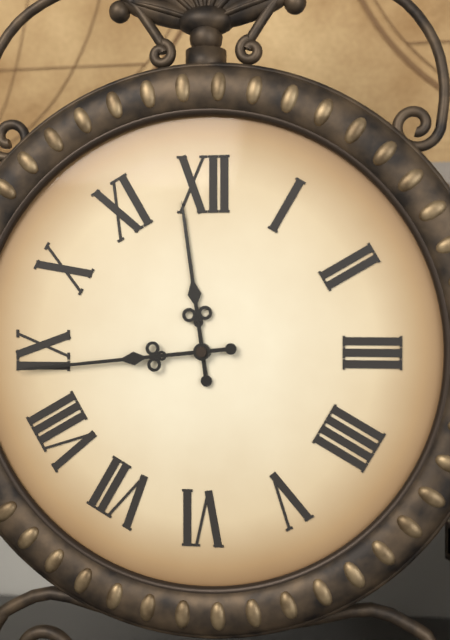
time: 11:44
